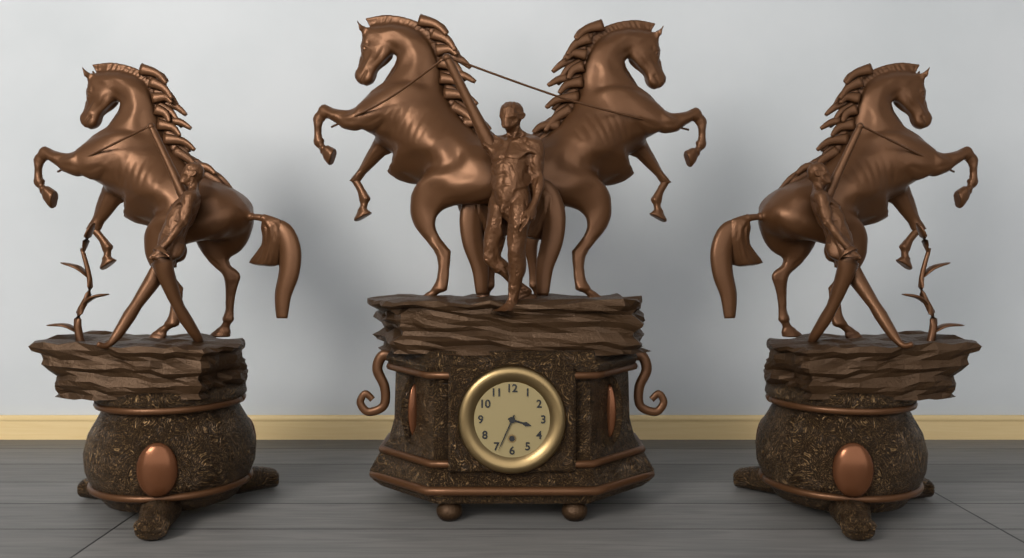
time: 3:34
